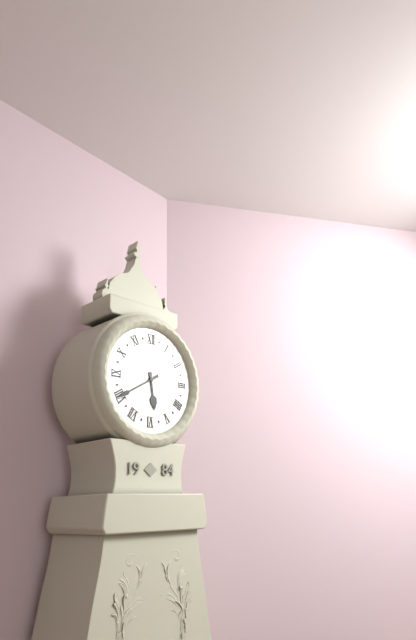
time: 5:40
